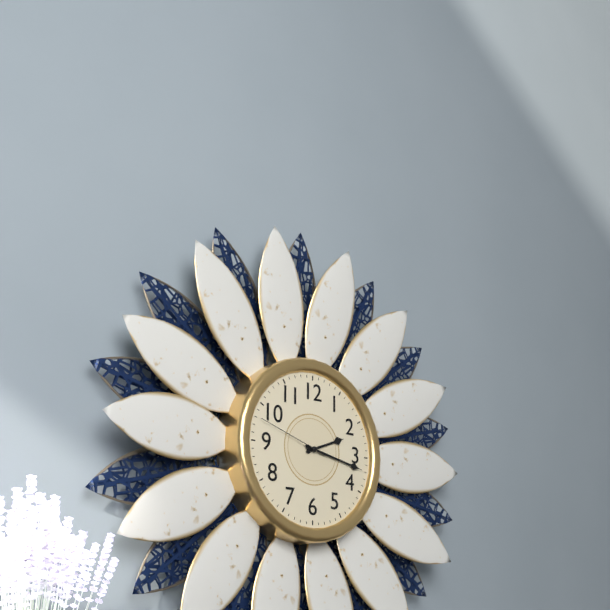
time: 2:17:48
